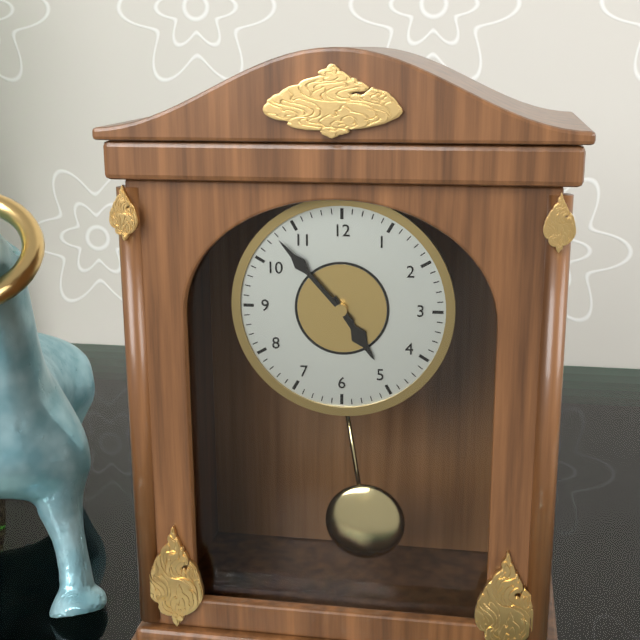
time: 4:53
